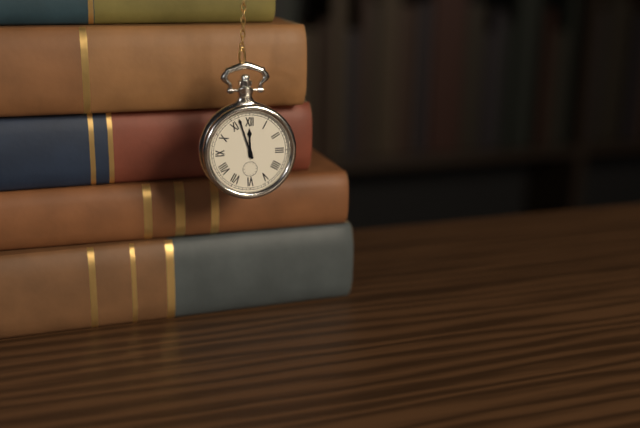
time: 11:57
